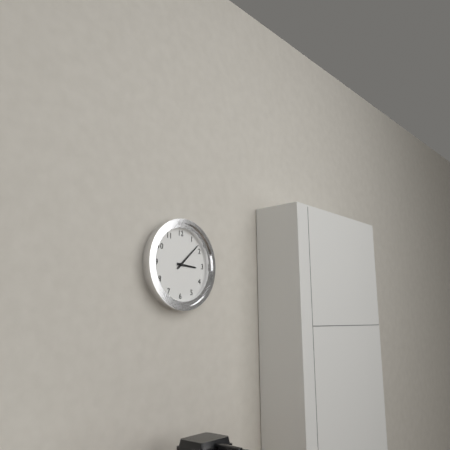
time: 3:08
